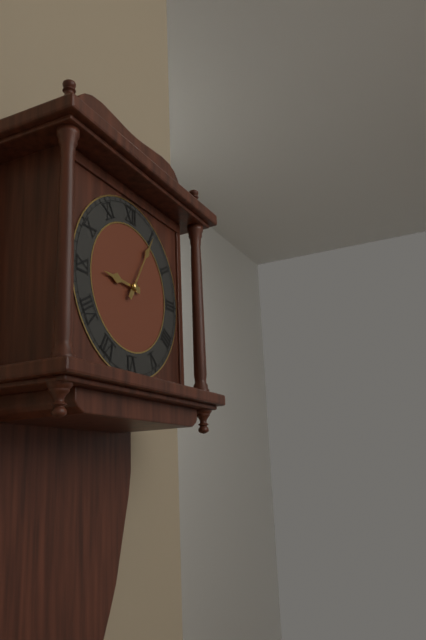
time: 9:05
